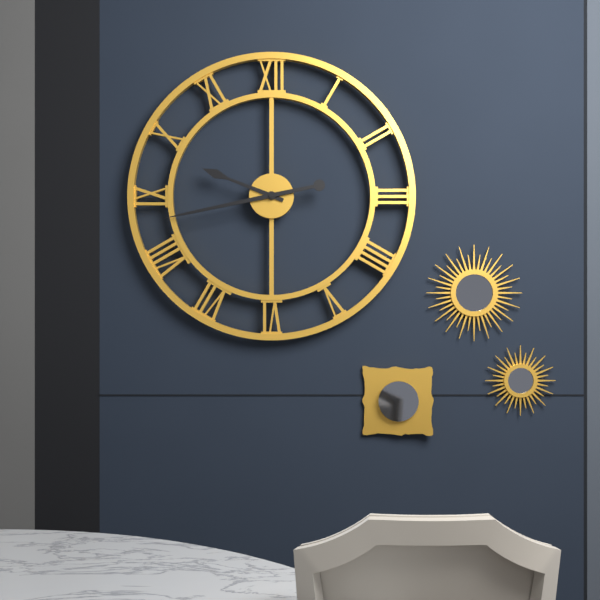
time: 9:43
